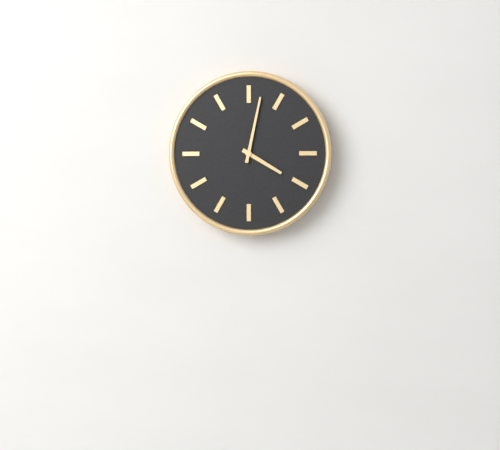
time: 4:02
